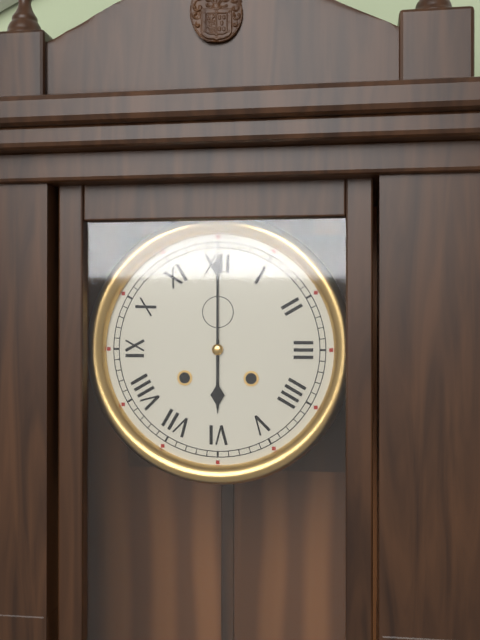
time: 6:00
